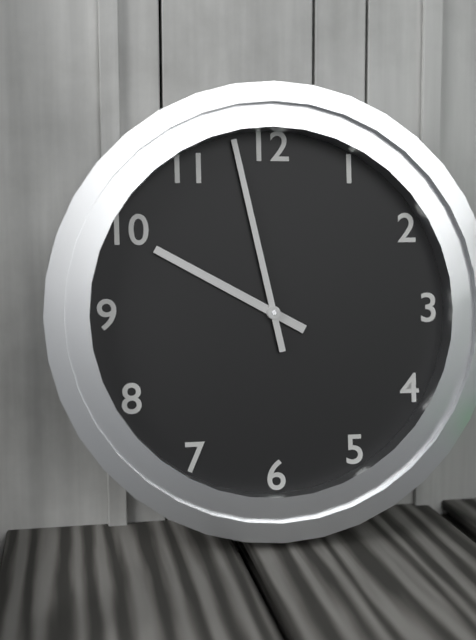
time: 9:58
